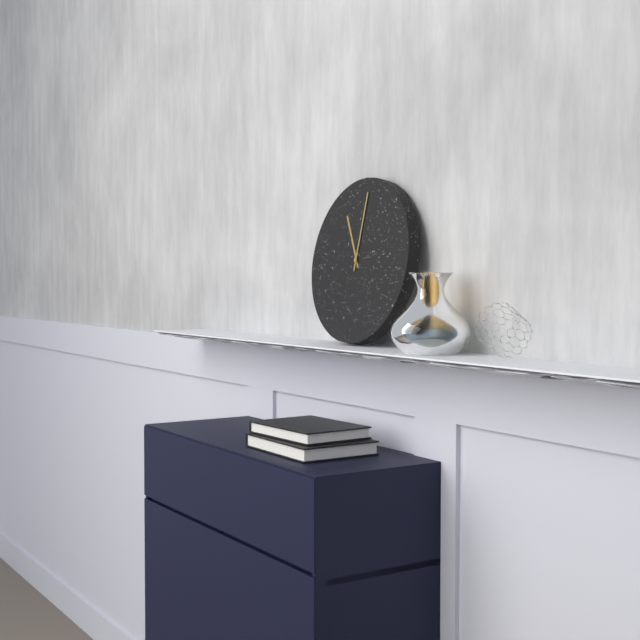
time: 11:01
